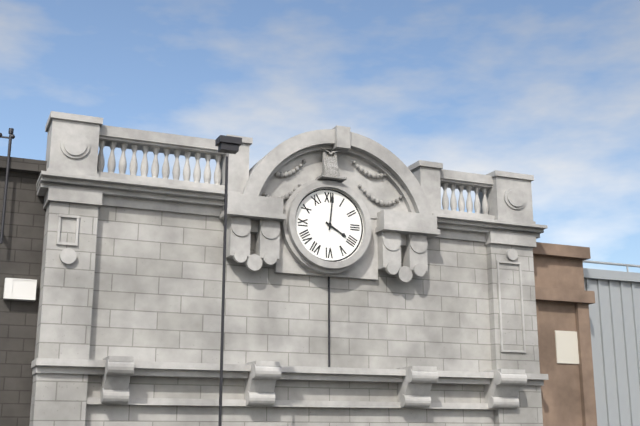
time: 4:01
